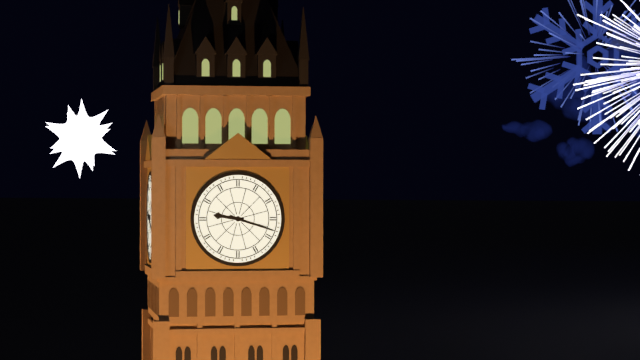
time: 9:18
